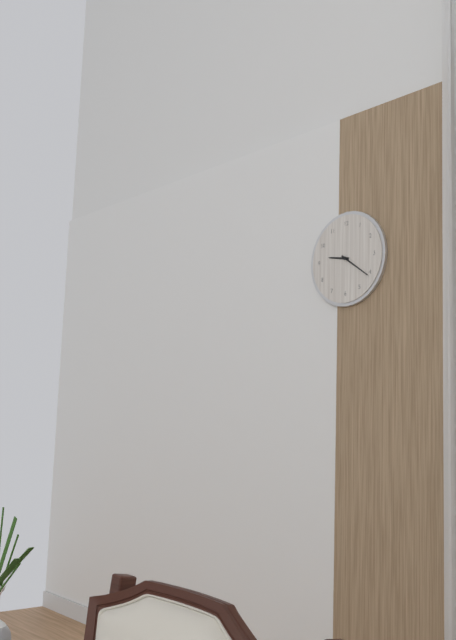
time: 9:21
